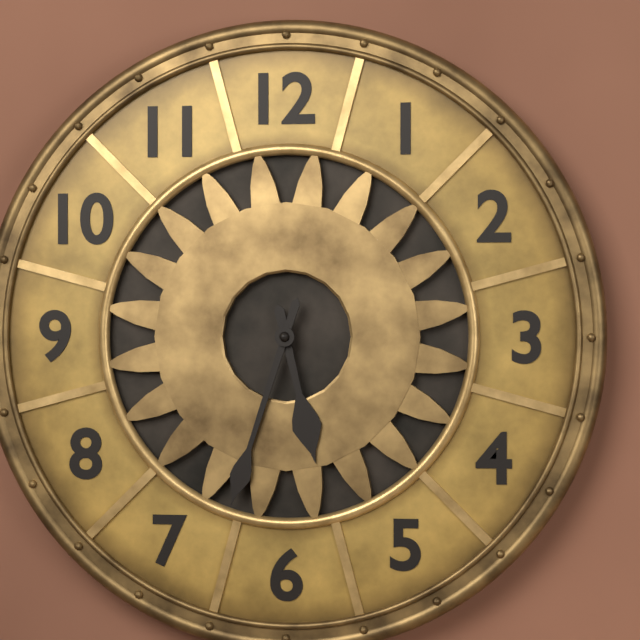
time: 5:33
